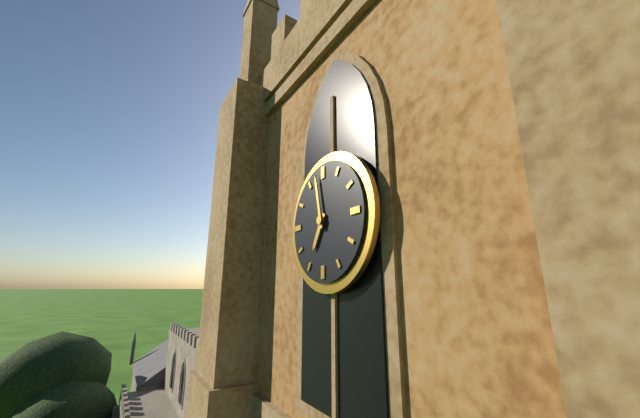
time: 6:58
